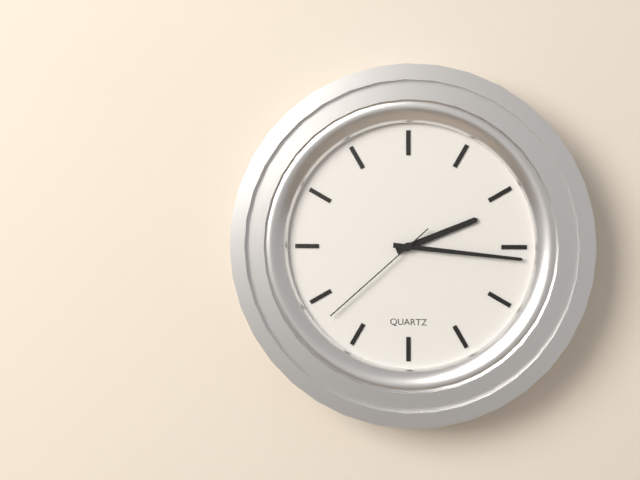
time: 2:16:38
